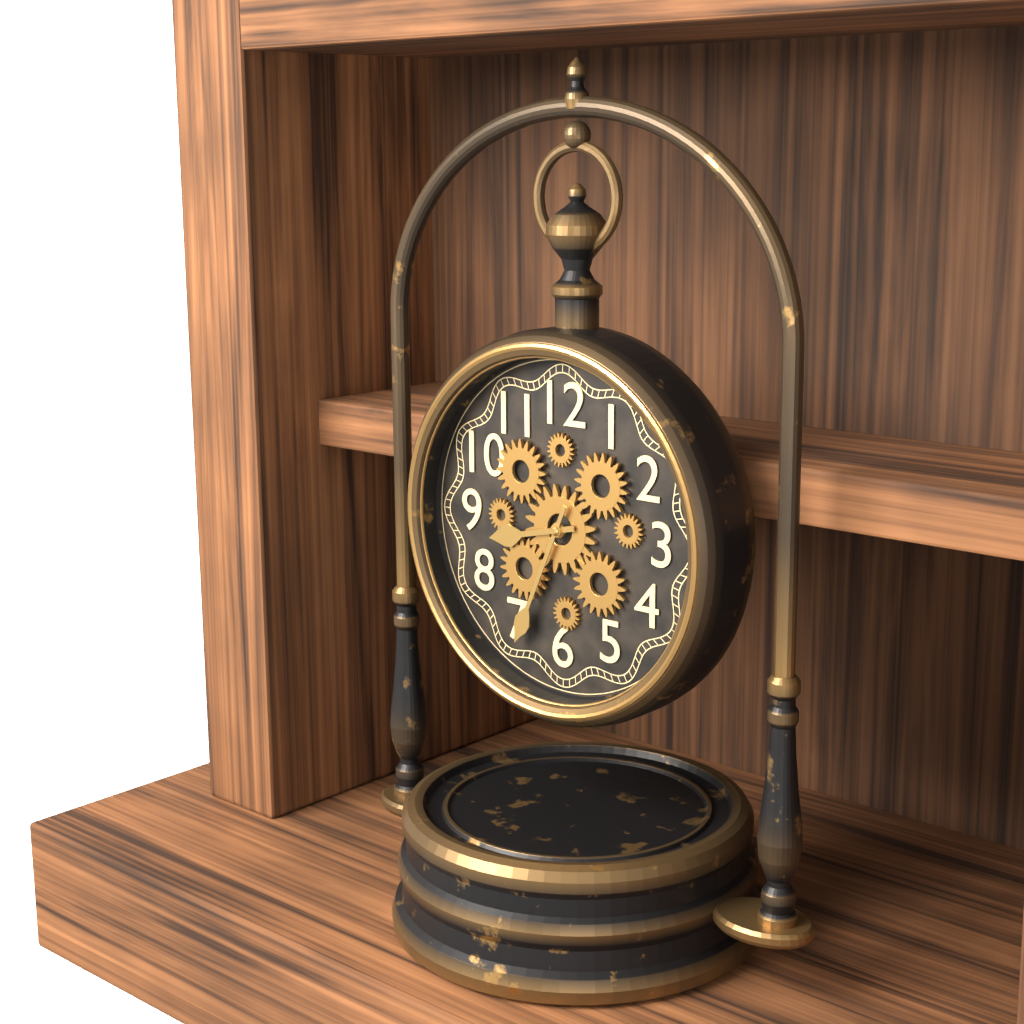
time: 8:34
